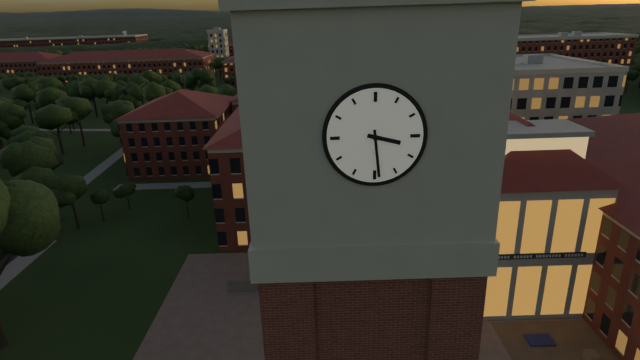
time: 3:29
